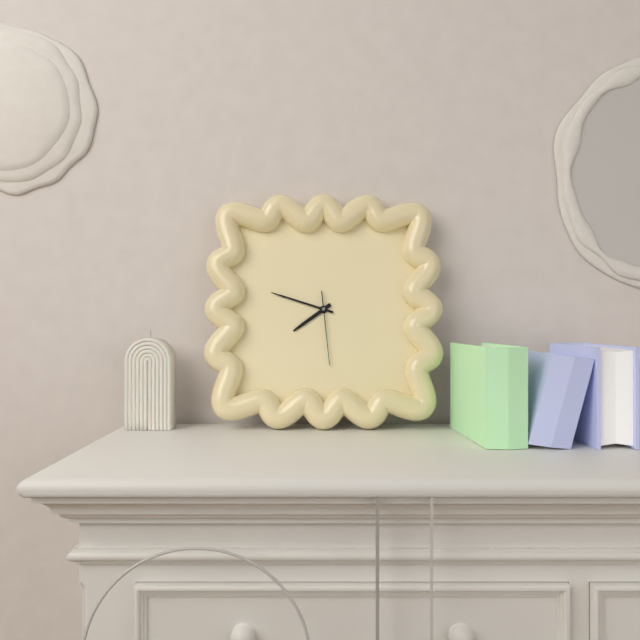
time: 7:48:29
